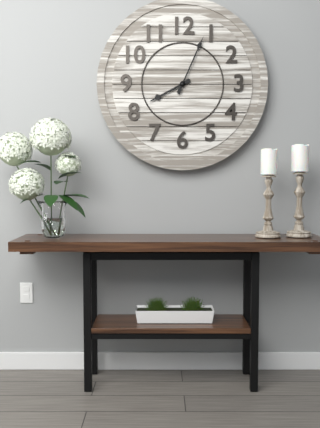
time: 8:04
